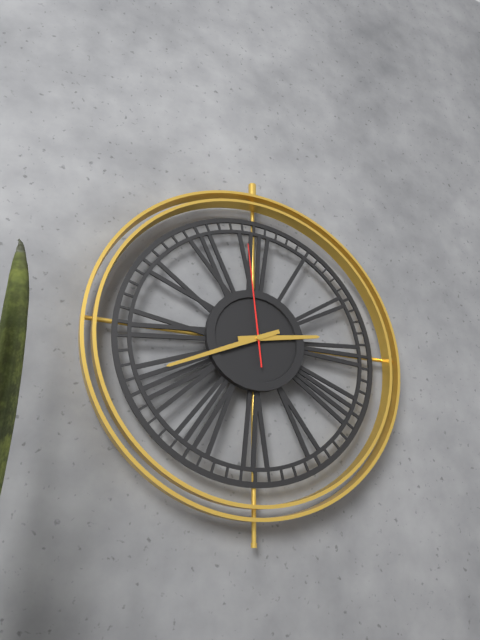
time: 2:41:59
